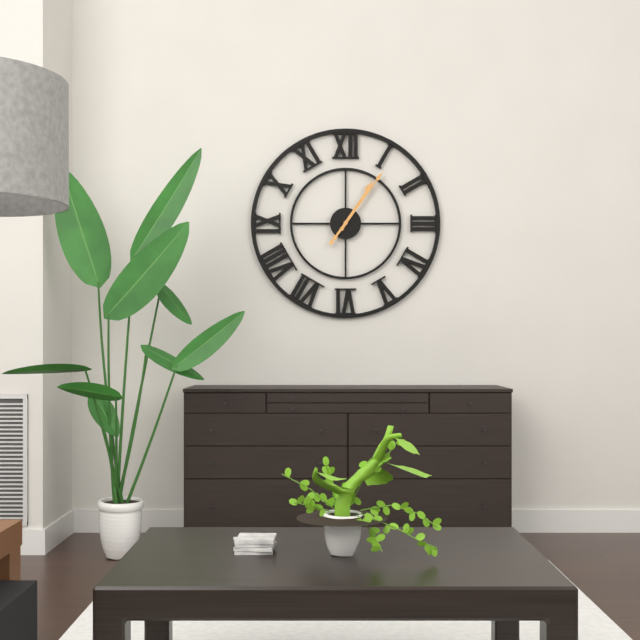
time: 1:06
